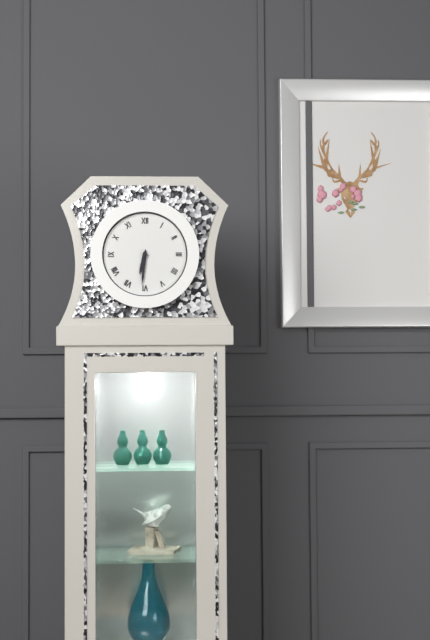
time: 6:31
